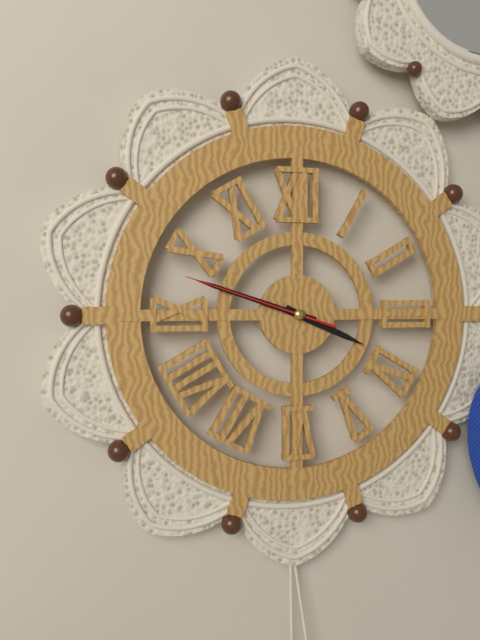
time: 3:48:48
